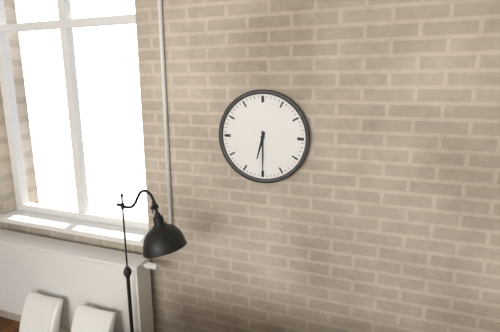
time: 6:30
